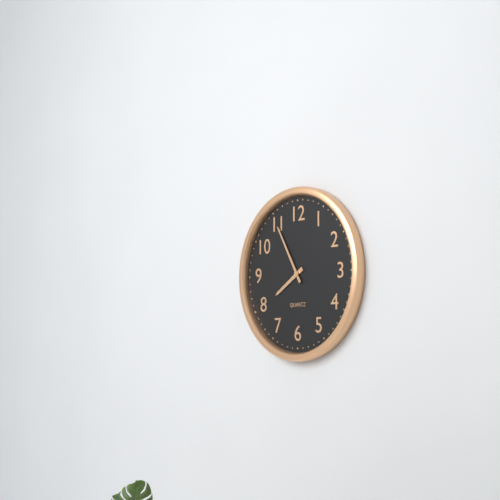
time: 7:55
